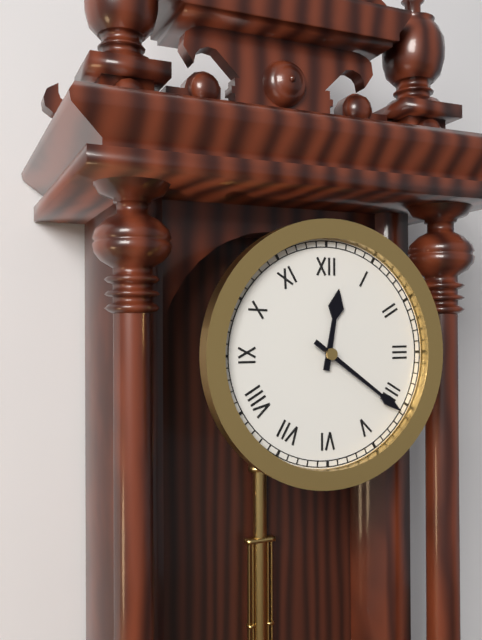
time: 12:21
